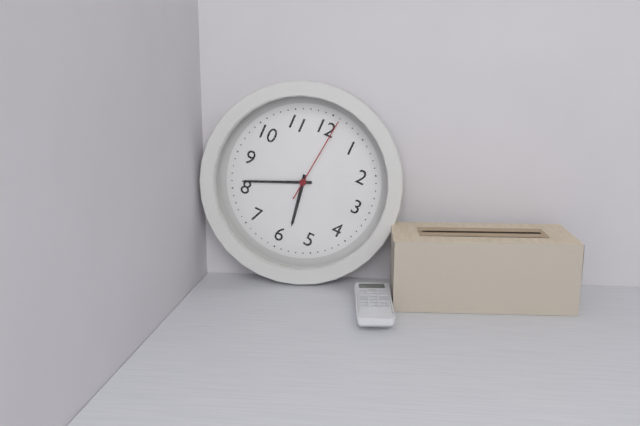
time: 5:41:01
